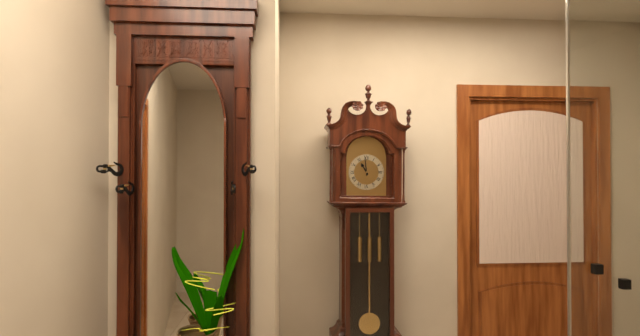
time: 10:59
